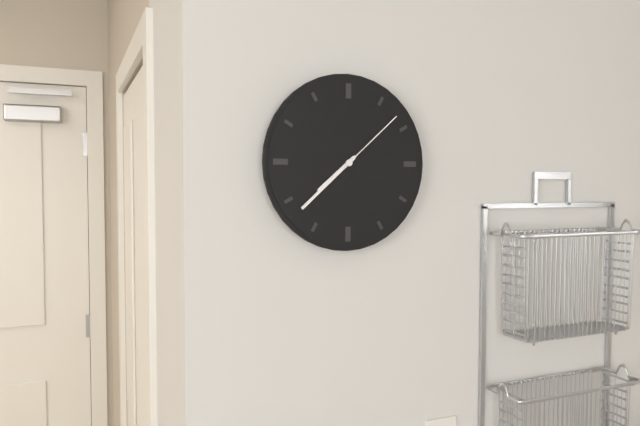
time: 7:38:08
